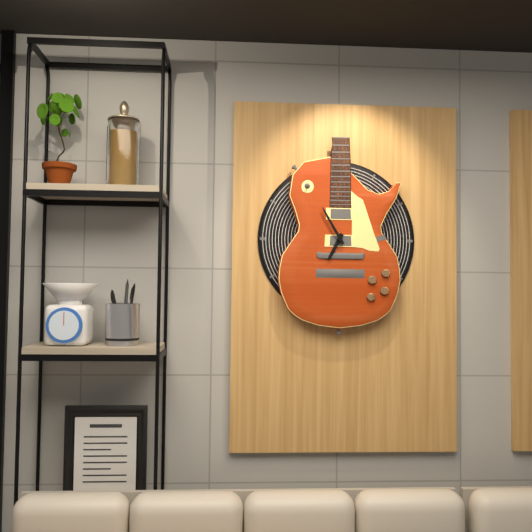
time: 6:55
